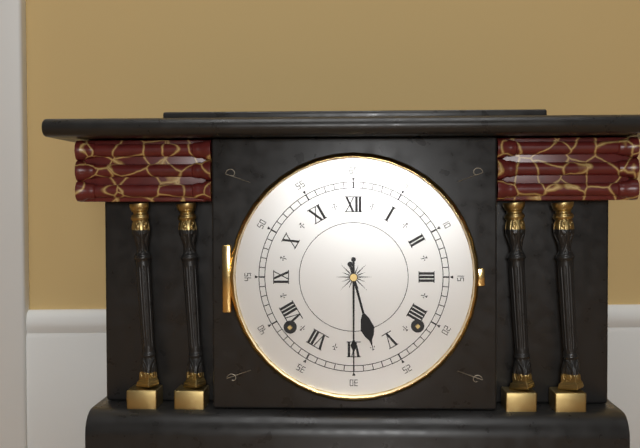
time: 5:30
